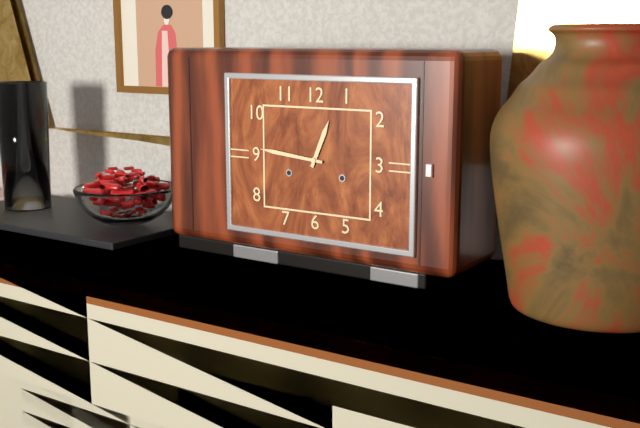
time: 12:46
